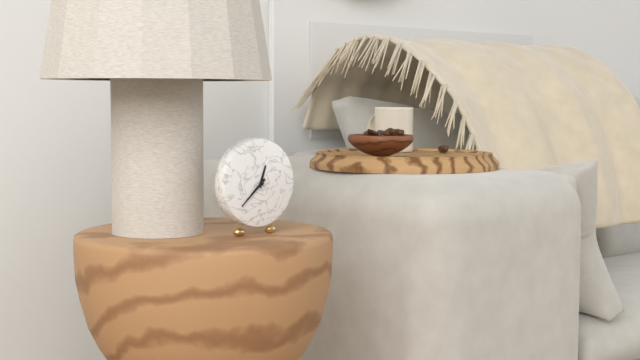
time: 12:38
